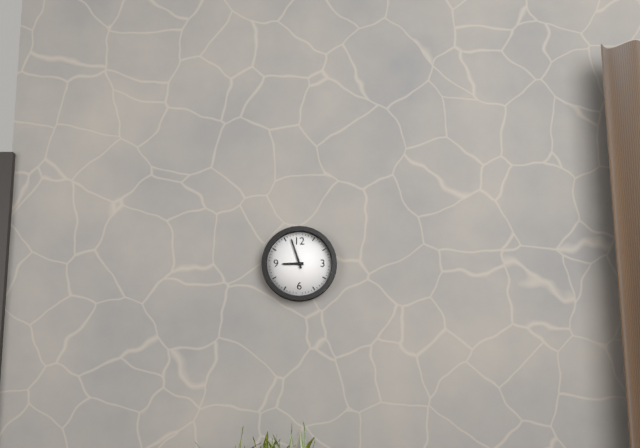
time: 8:57
